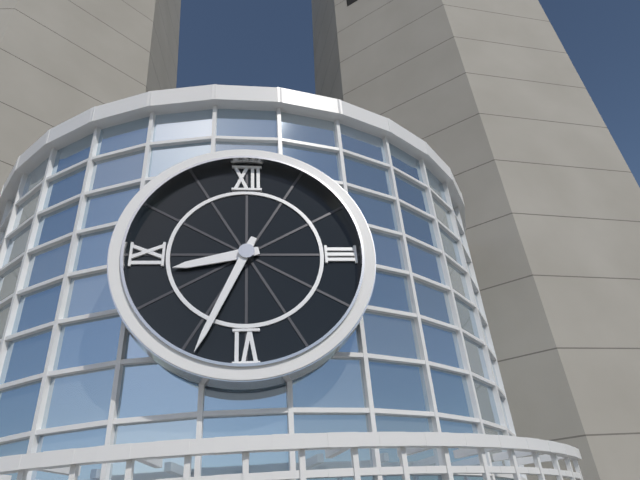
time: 8:34
